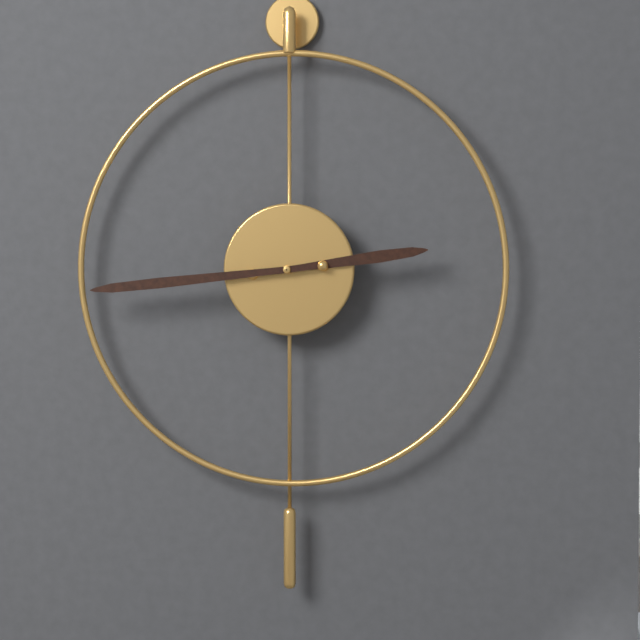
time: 2:44
